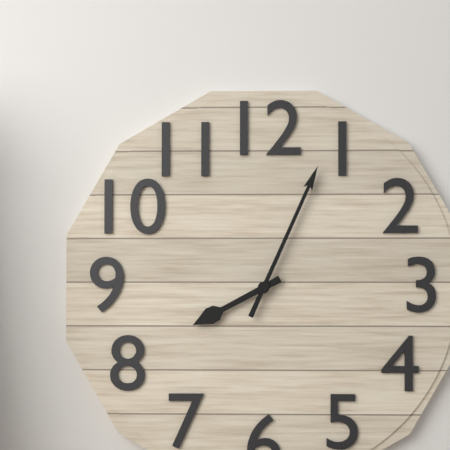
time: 8:04
